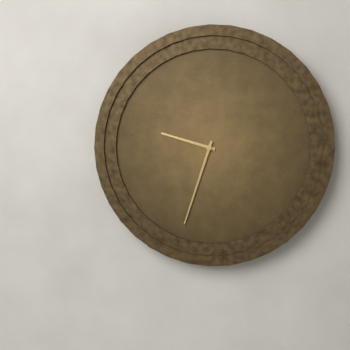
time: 9:33
